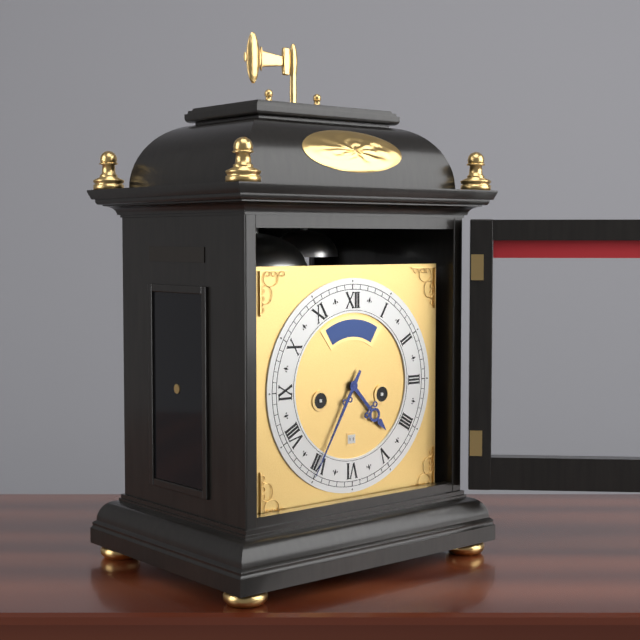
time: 4:35
